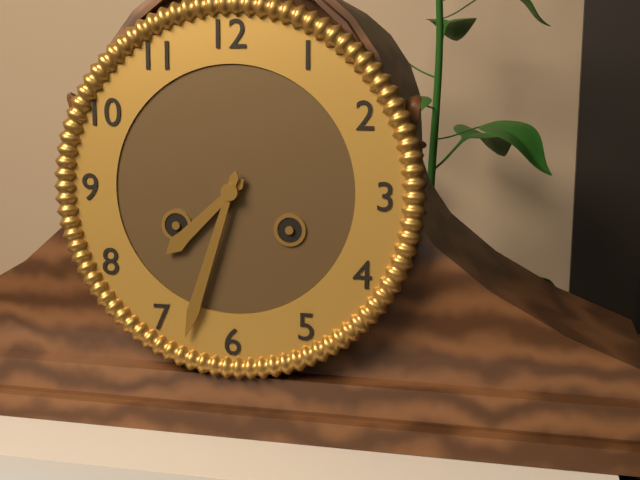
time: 7:33
